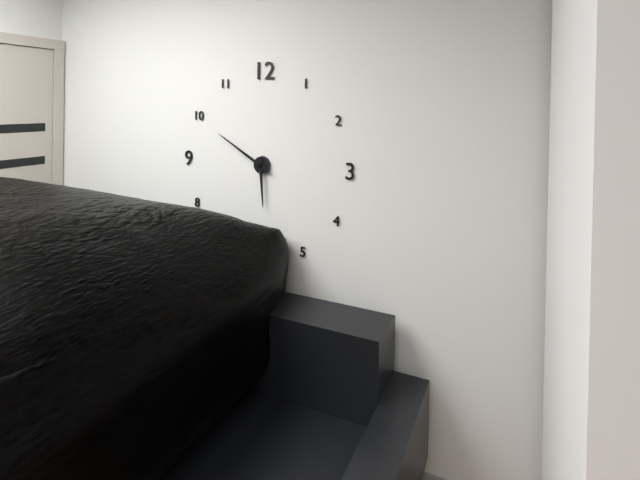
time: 5:50
